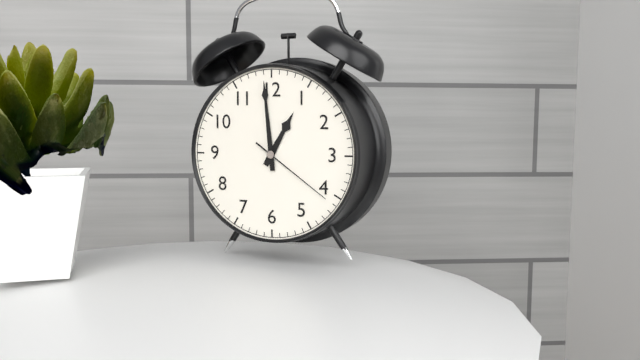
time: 12:59:21
